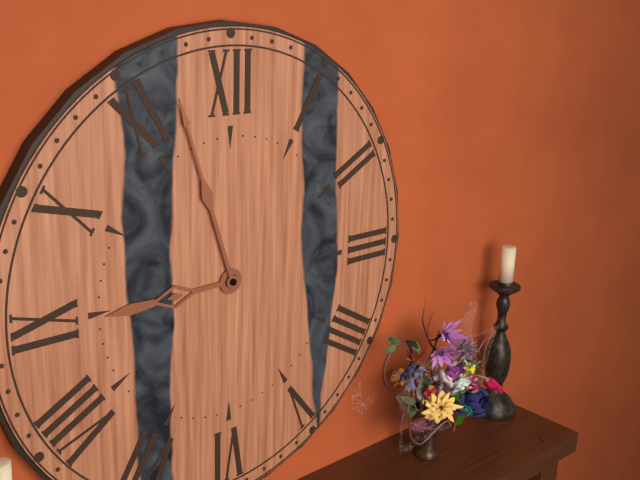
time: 8:57
